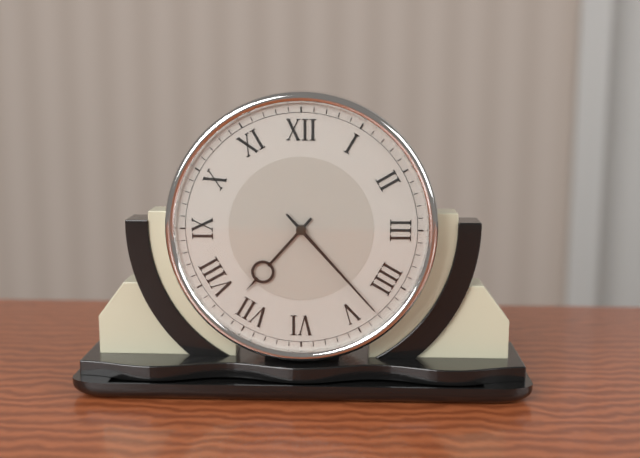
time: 7:23
